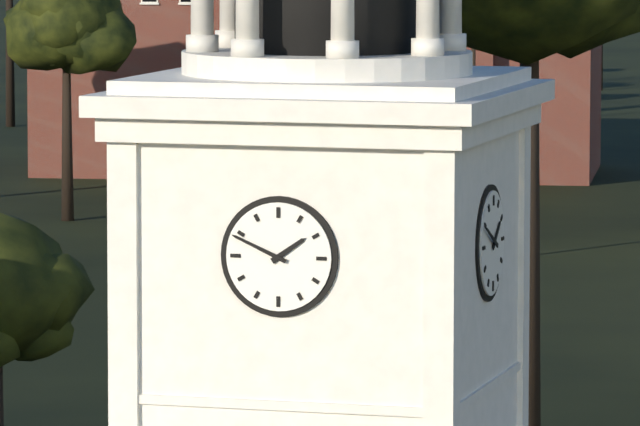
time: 1:49
